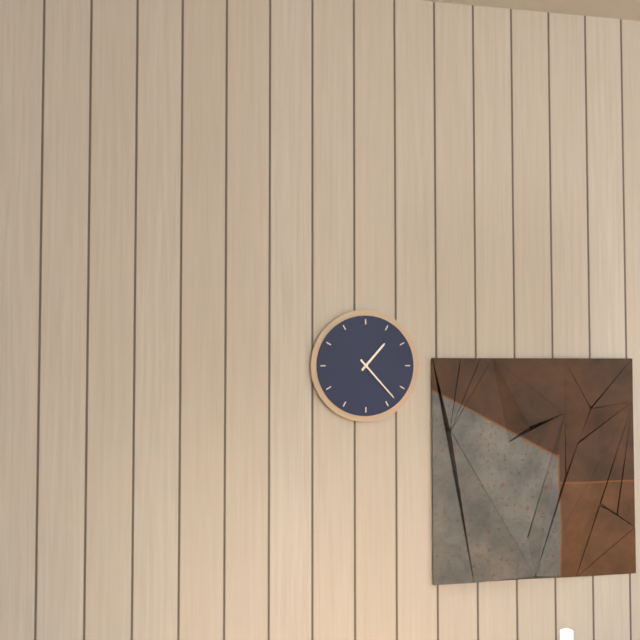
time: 1:23
